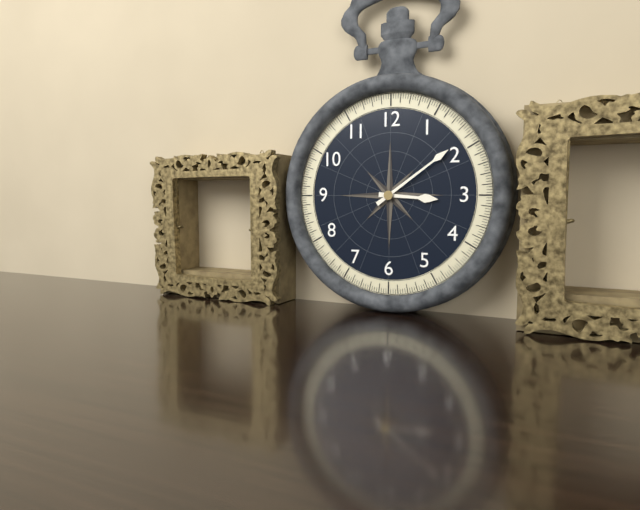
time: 3:09
